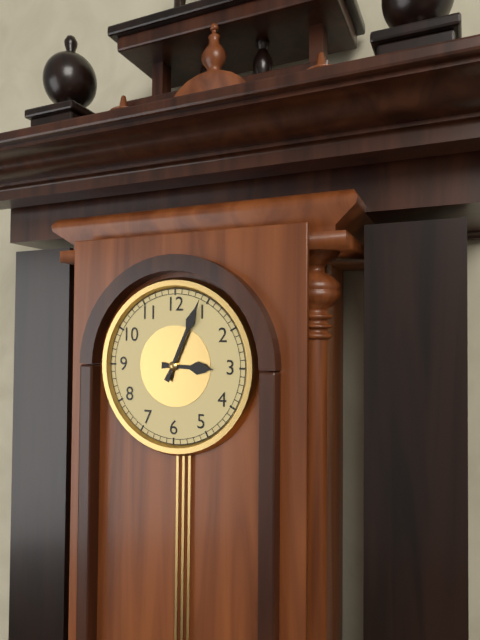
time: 3:04
